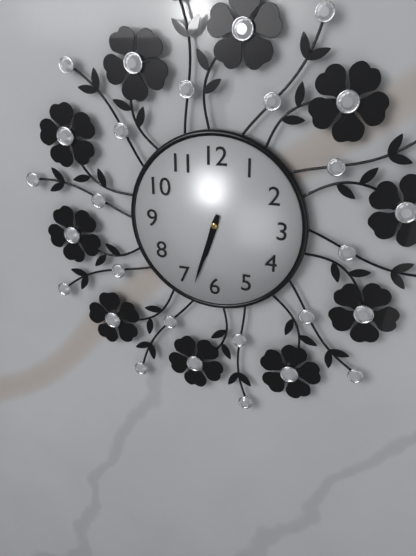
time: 6:33
